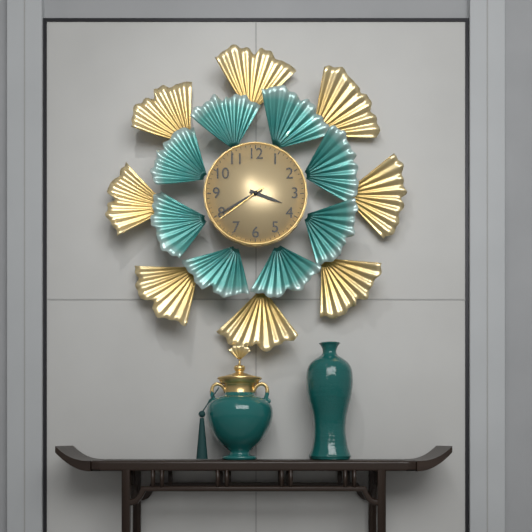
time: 3:40:39
